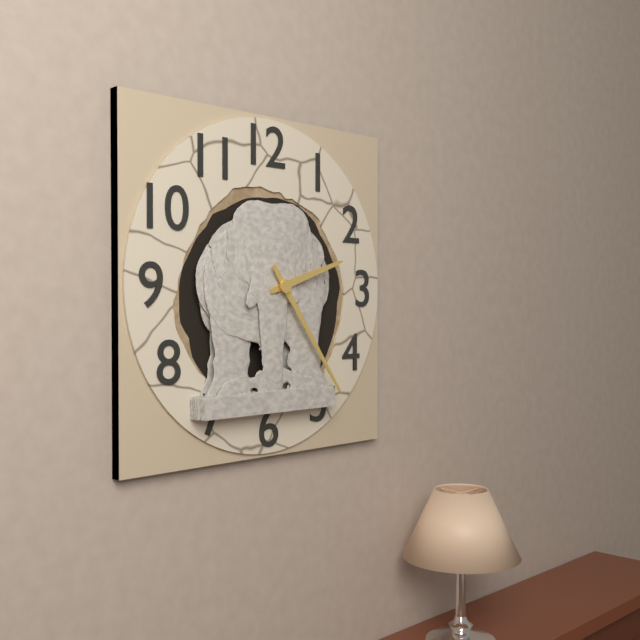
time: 2:24
